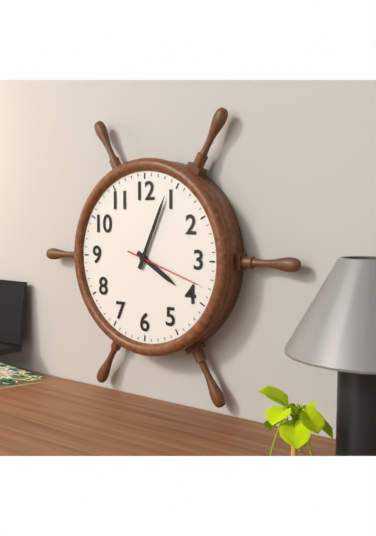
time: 4:04:18
